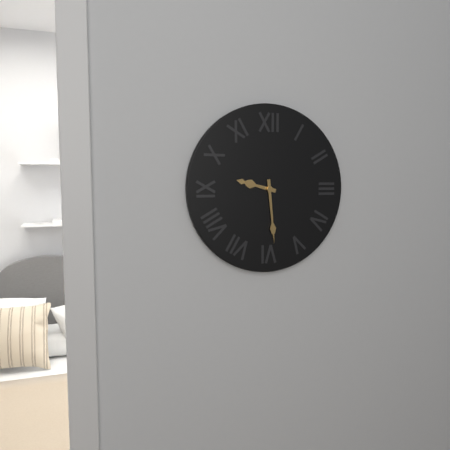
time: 9:29
